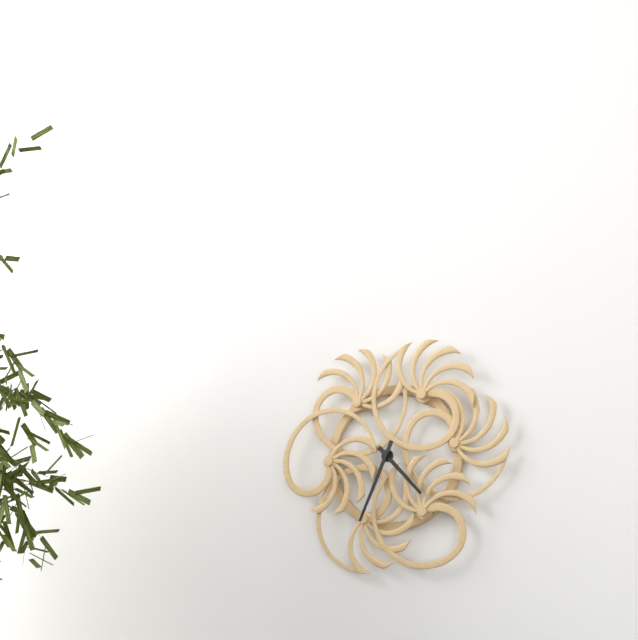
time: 4:34
